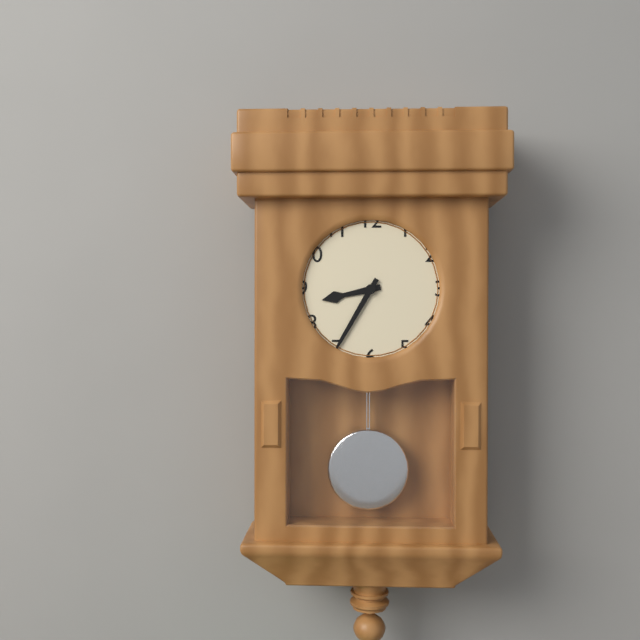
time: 8:35
